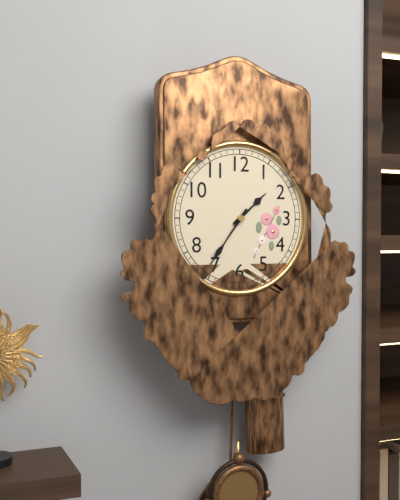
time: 1:36
